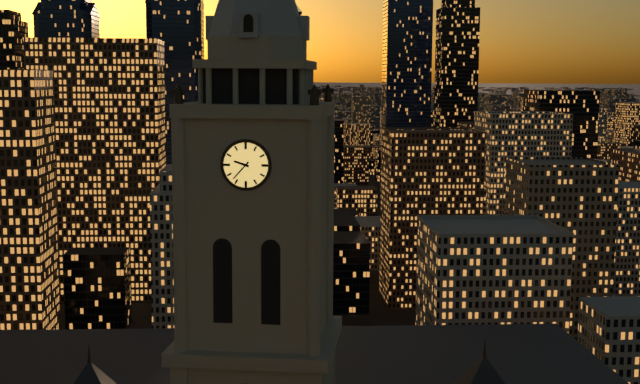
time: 9:37
